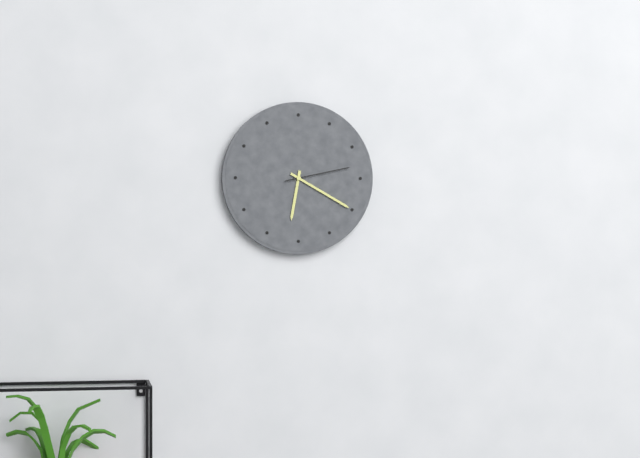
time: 6:20:13
